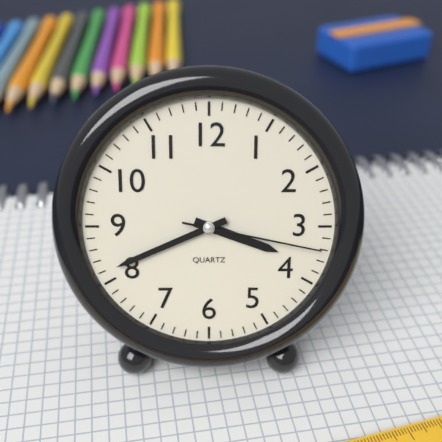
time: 3:41:17
